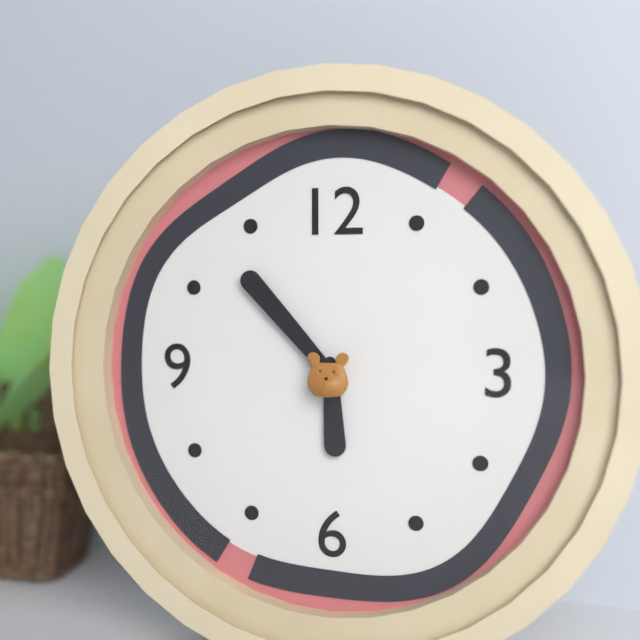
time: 5:53
